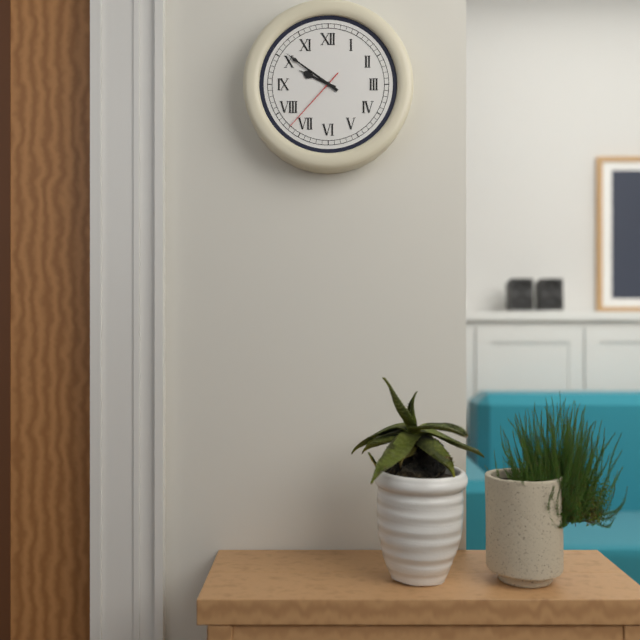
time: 9:51:37
